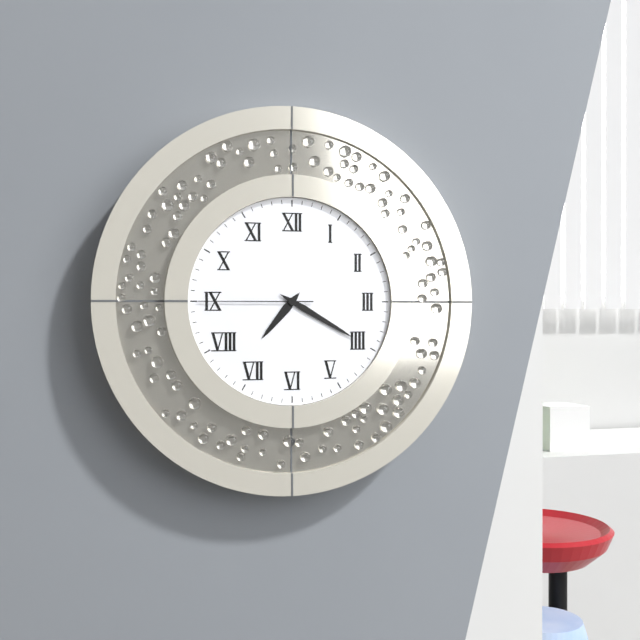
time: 7:20:45
